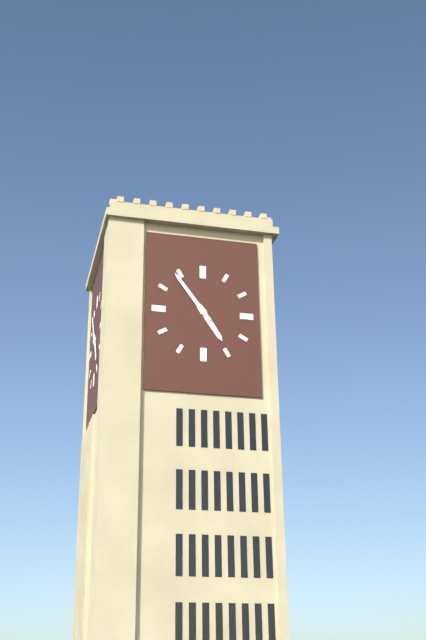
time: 4:54
